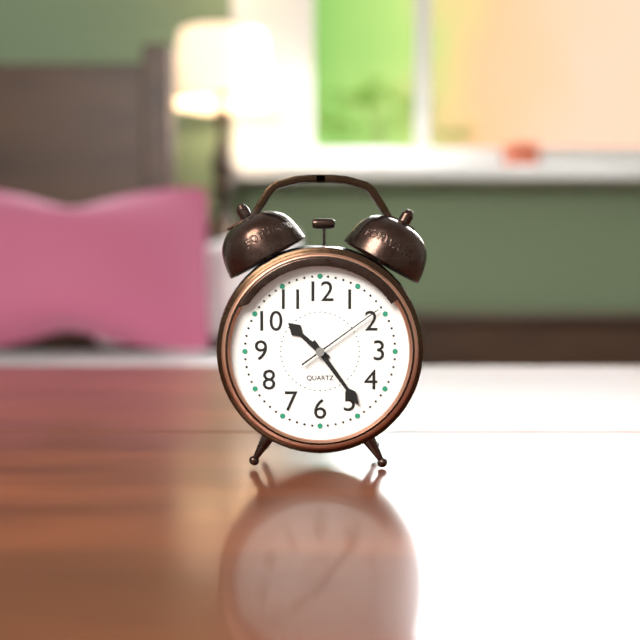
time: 10:24:09
